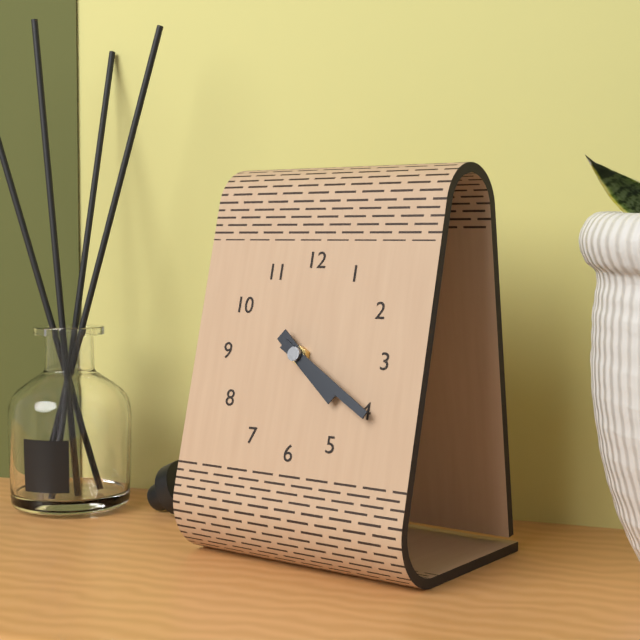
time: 4:20
